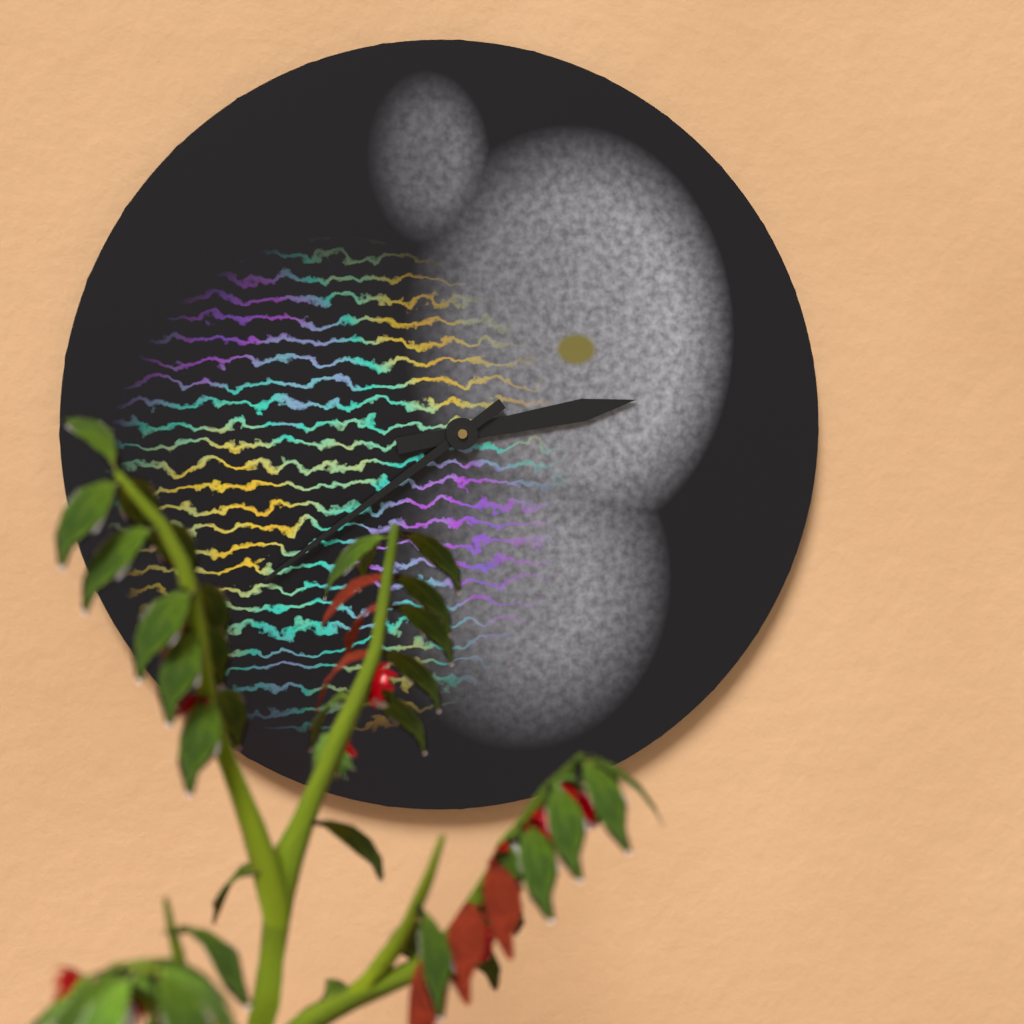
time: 2:39
